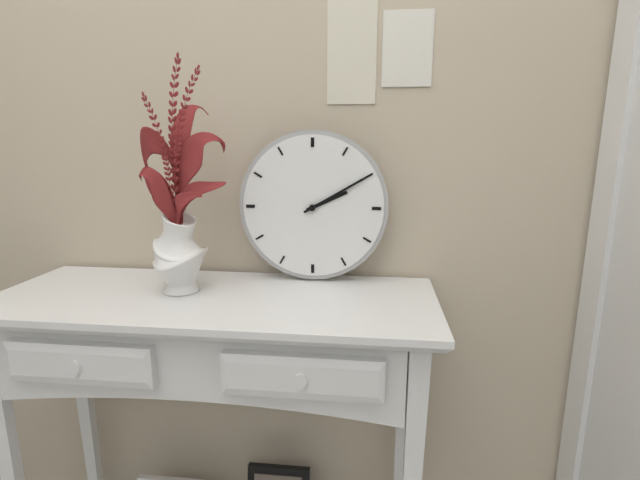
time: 2:10
